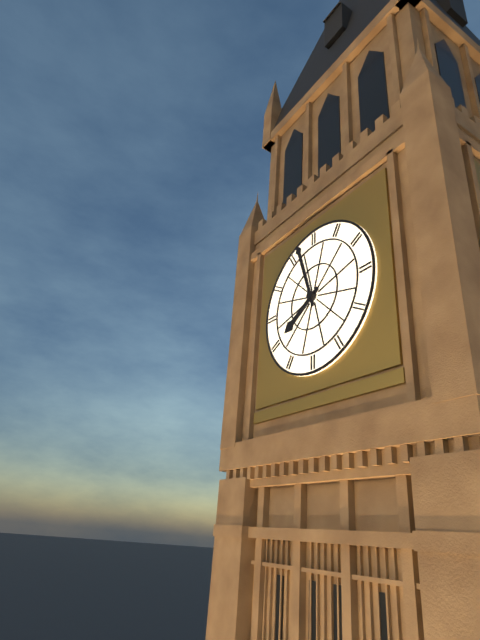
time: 7:57
